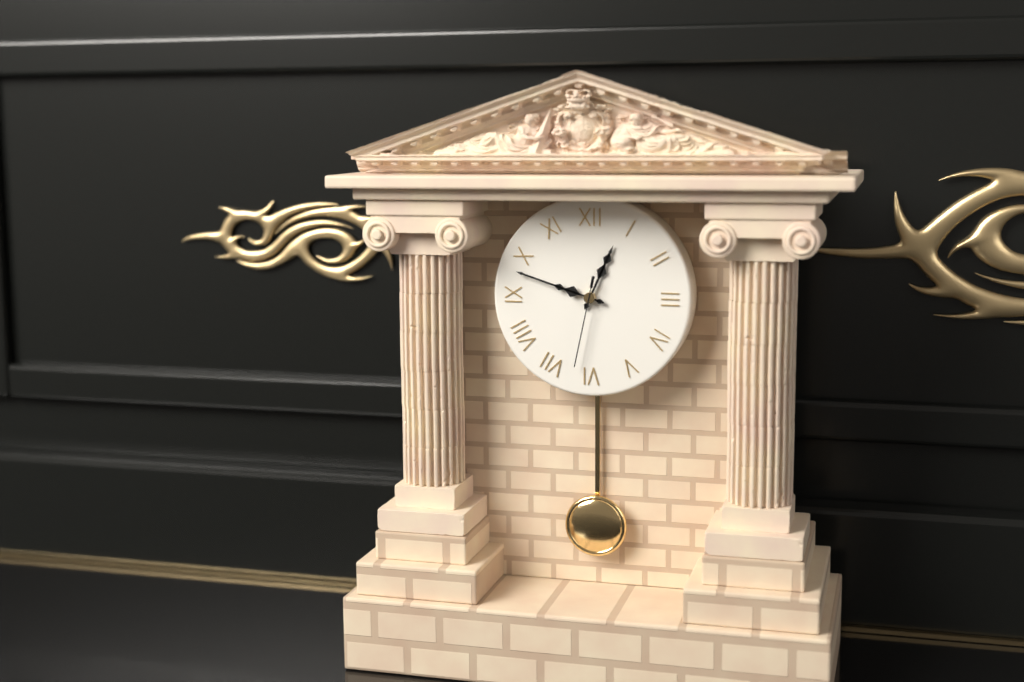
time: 12:48:32
